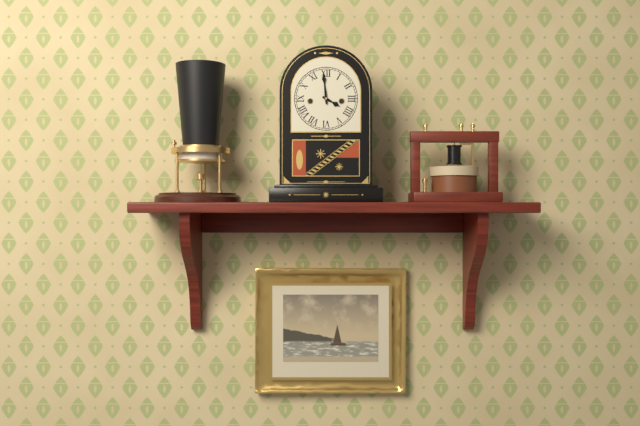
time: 3:59
